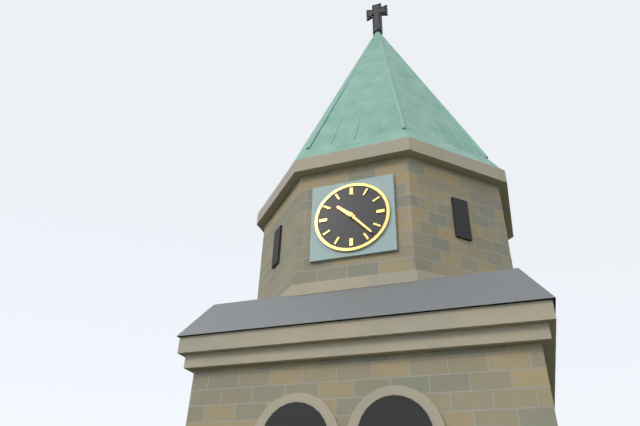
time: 10:23
